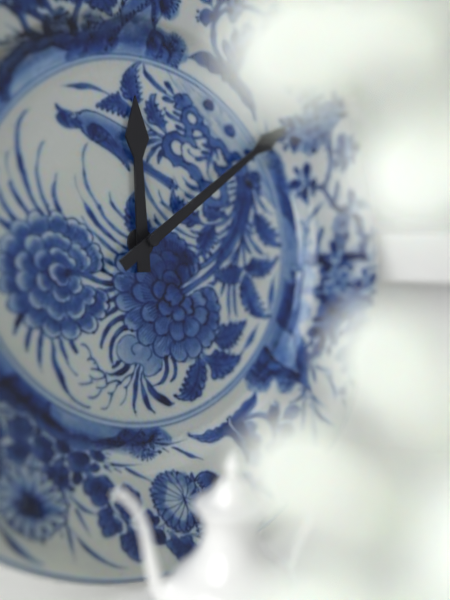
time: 12:10
